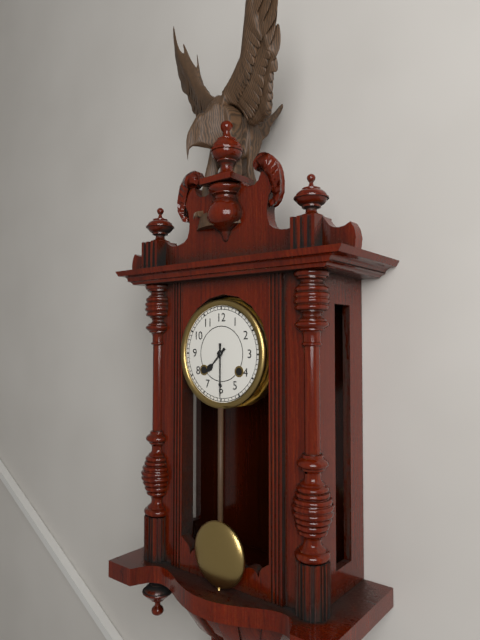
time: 7:30
